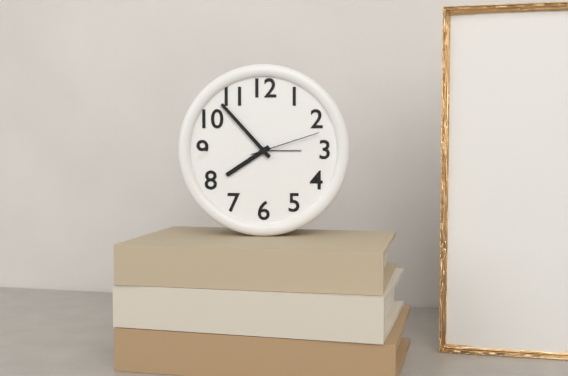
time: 7:53:12
